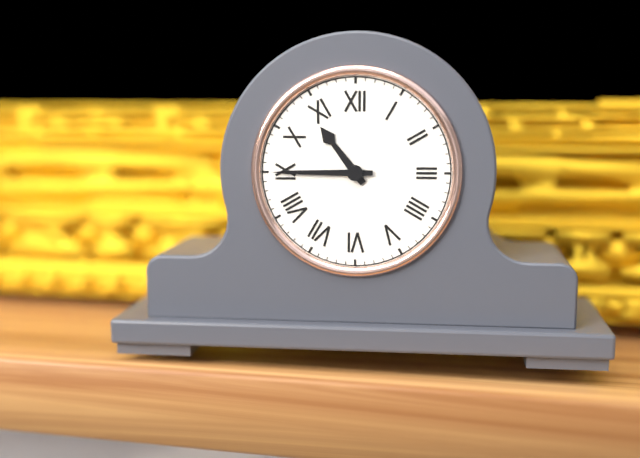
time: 10:45
